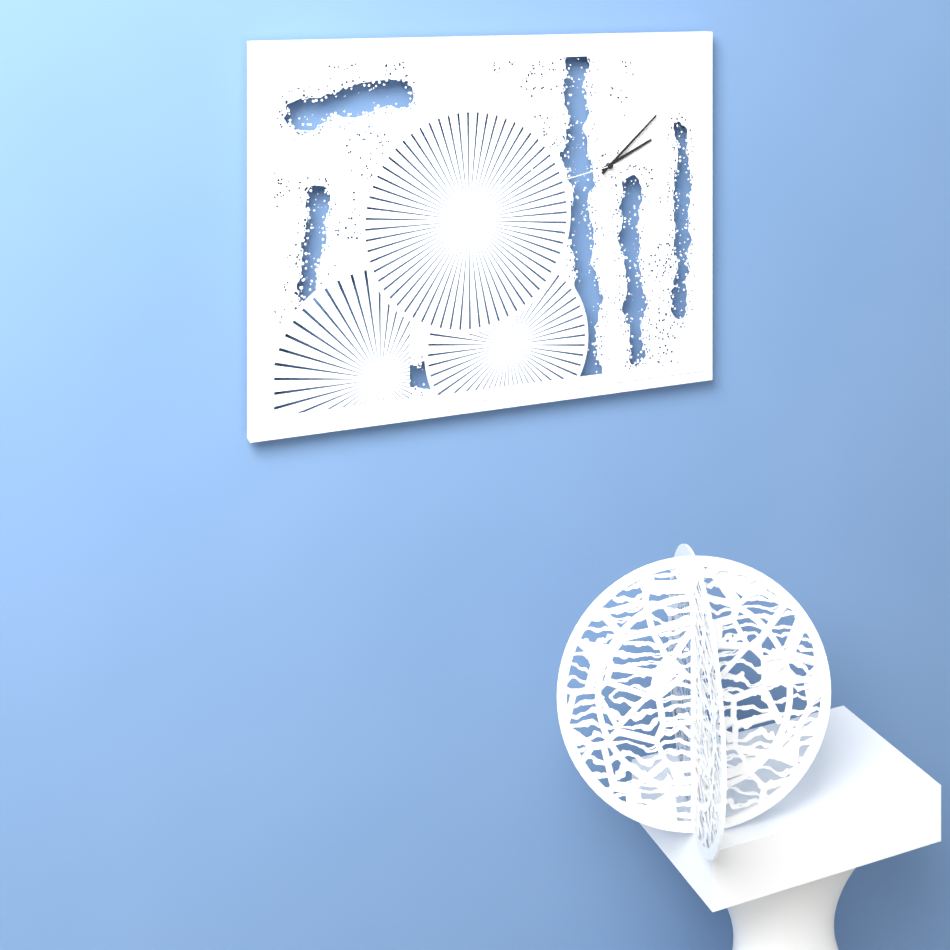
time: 2:08:43
